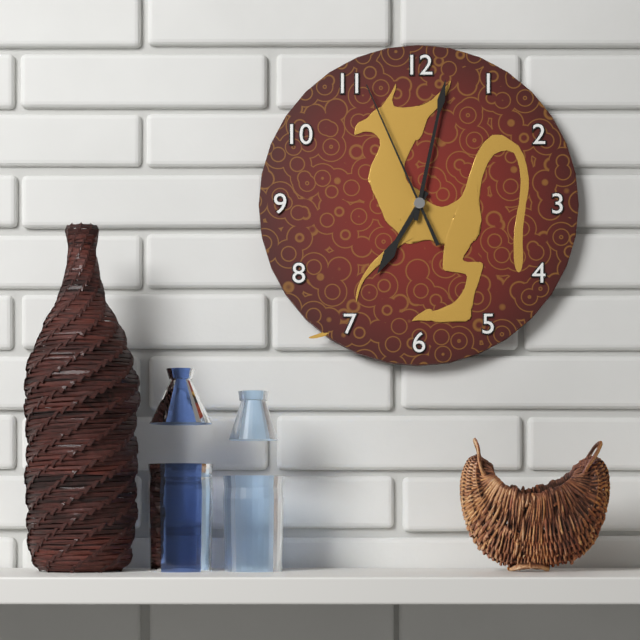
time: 7:02:56
